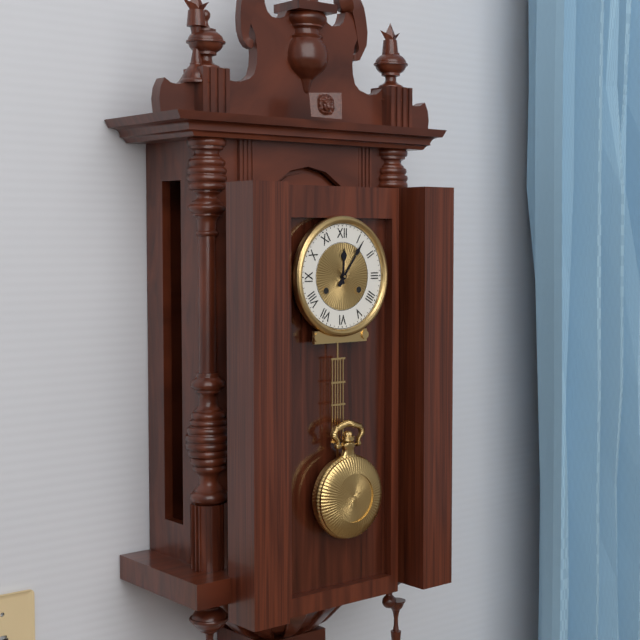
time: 12:06
